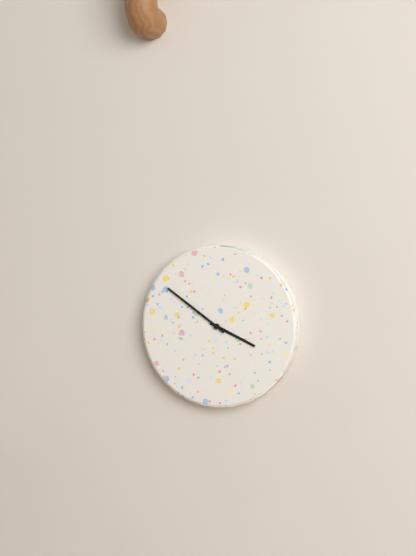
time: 3:51
